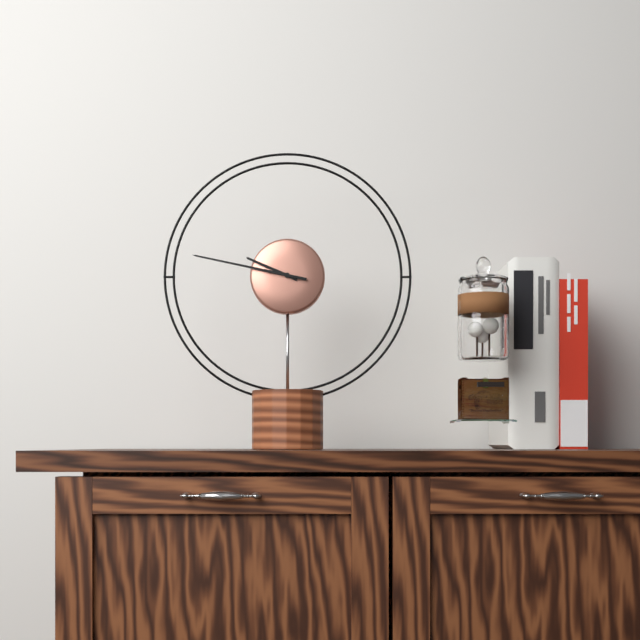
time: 9:47
